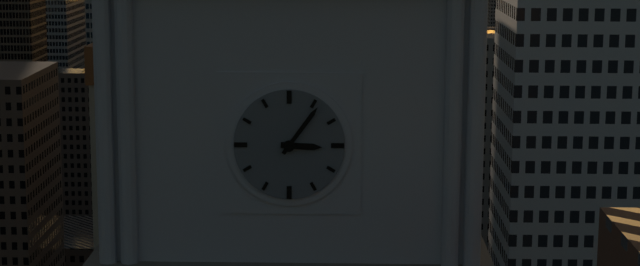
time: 3:06
